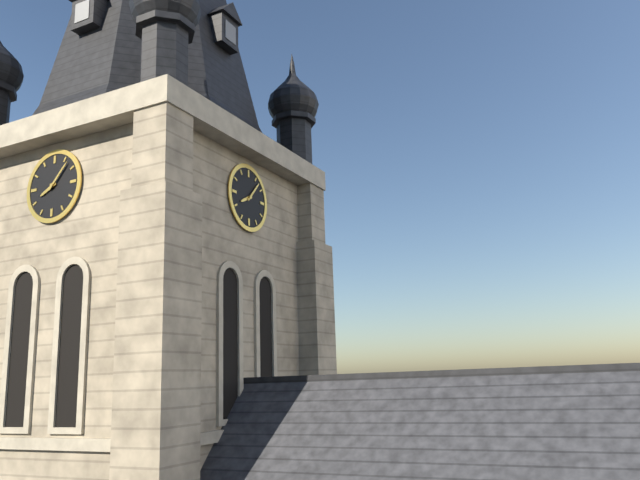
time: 8:07
